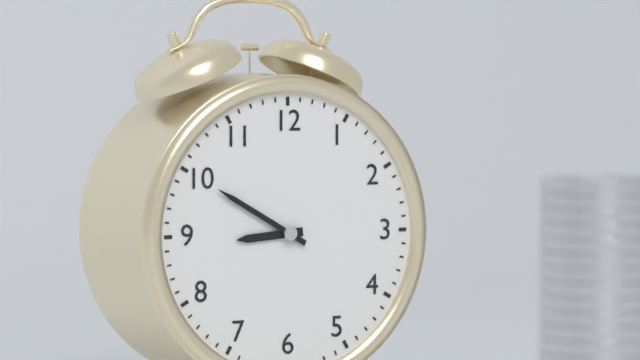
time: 8:50
